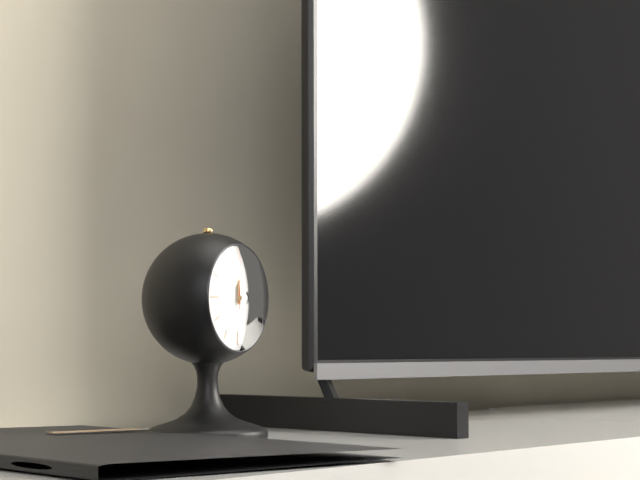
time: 11:59:00
